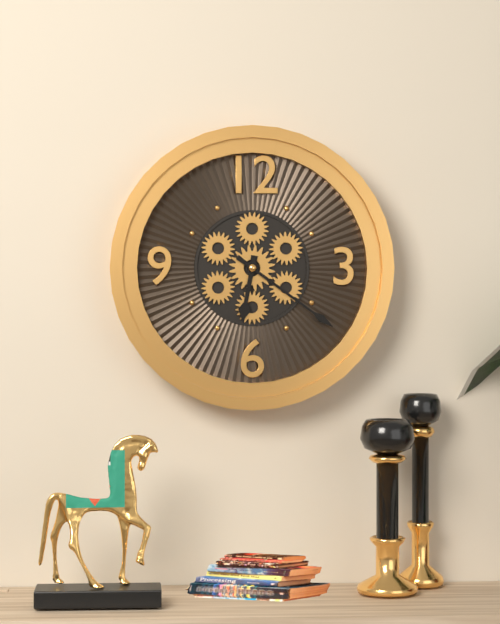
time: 6:21
